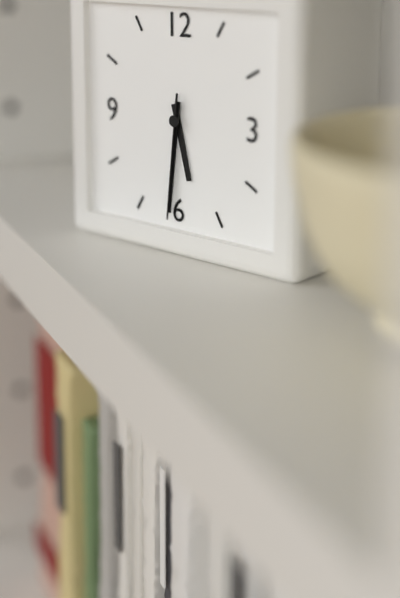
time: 5:31:31
